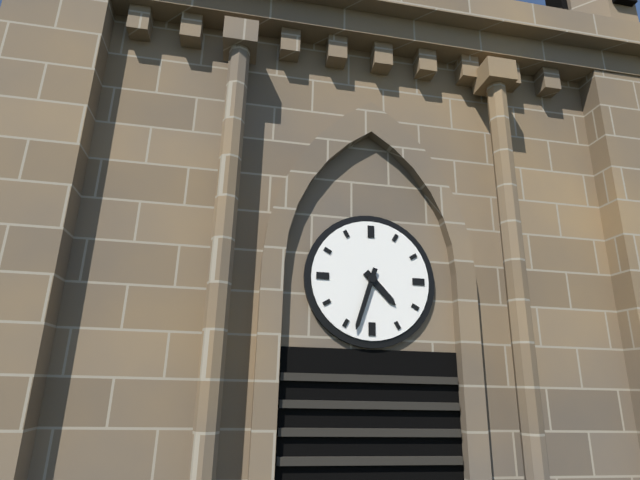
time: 4:33
